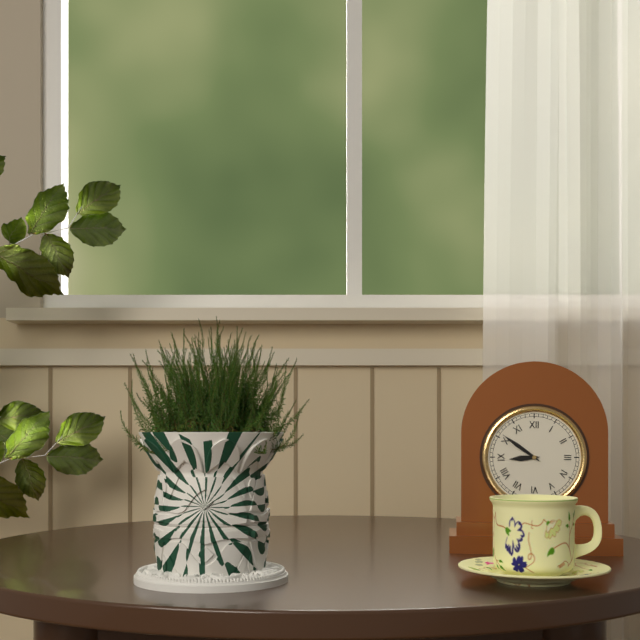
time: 8:51
